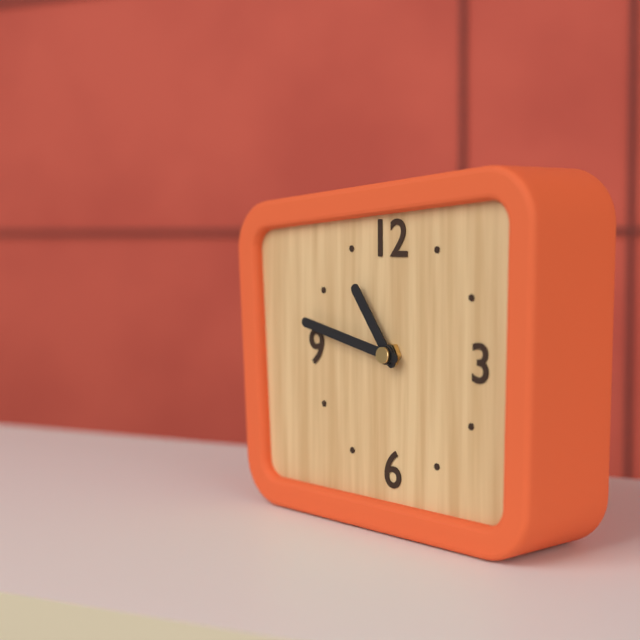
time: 10:47
